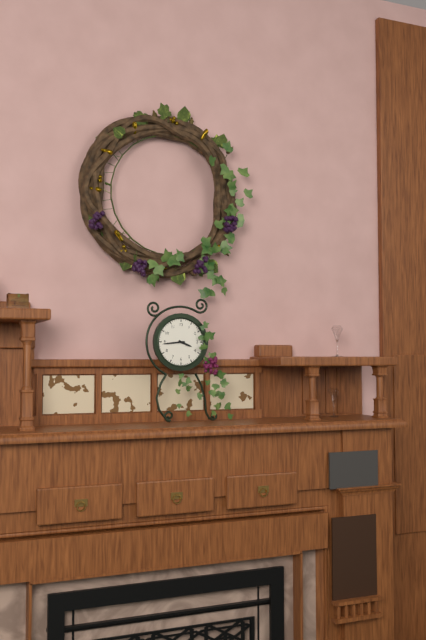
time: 3:44
